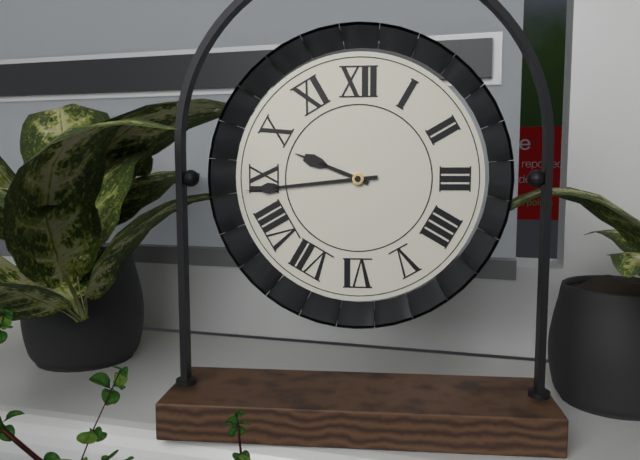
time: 9:44
